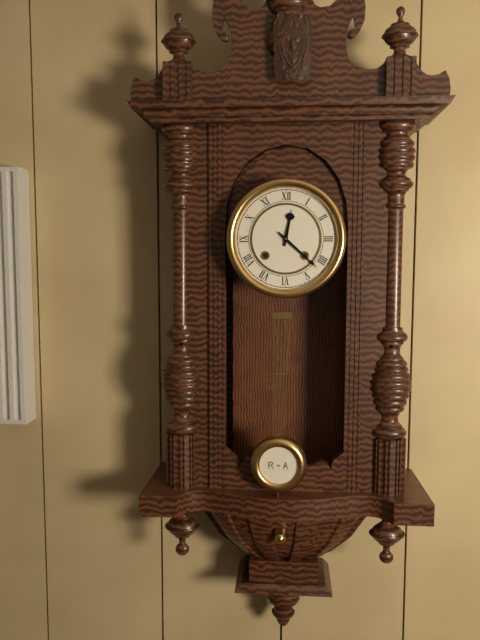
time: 12:22
